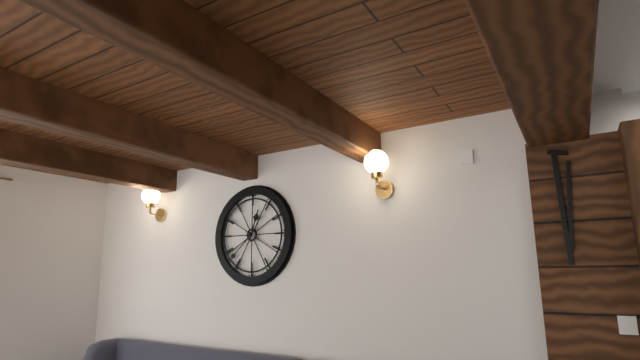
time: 12:38
